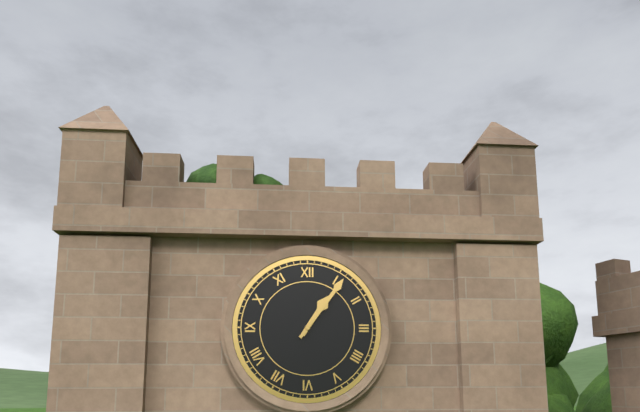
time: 1:06
